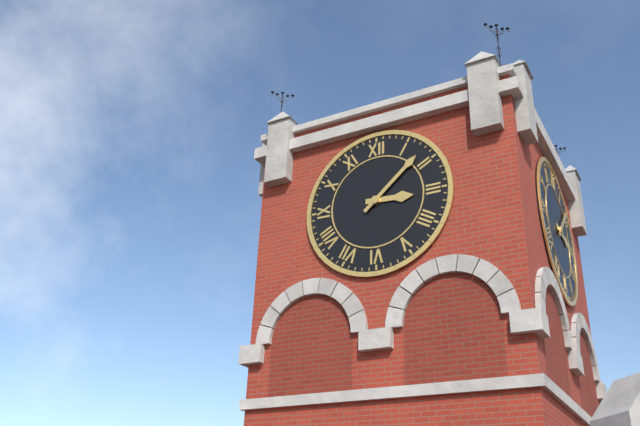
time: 3:08
